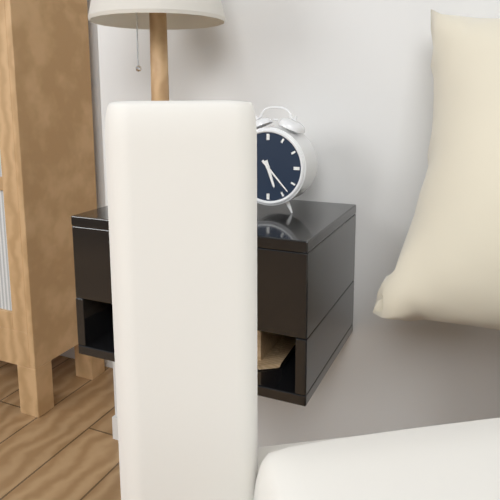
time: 5:23
